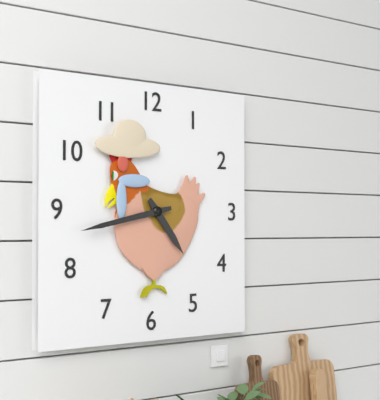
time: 4:43
